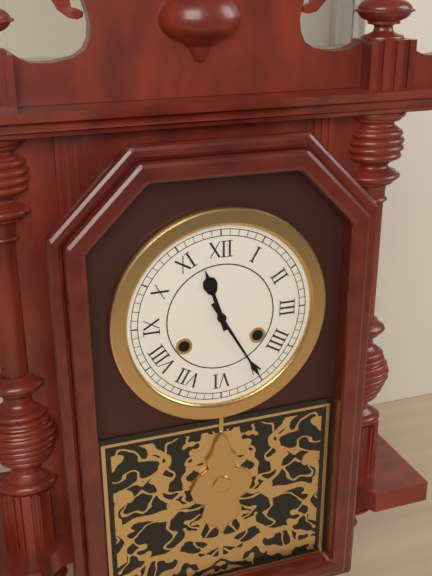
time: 11:25
